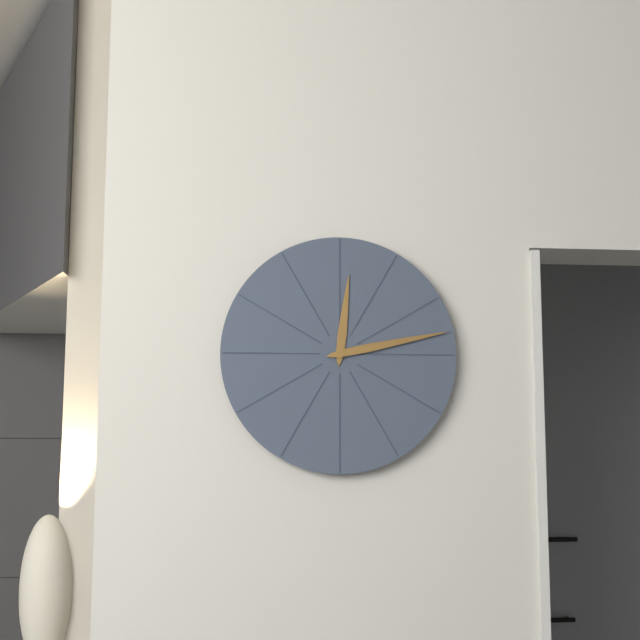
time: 12:13
